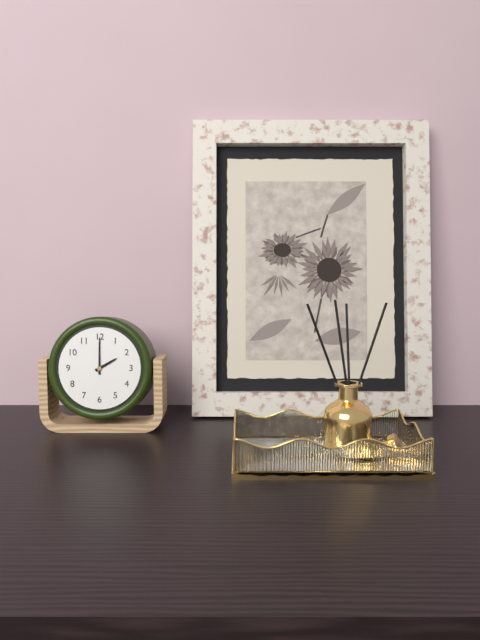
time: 2:00
